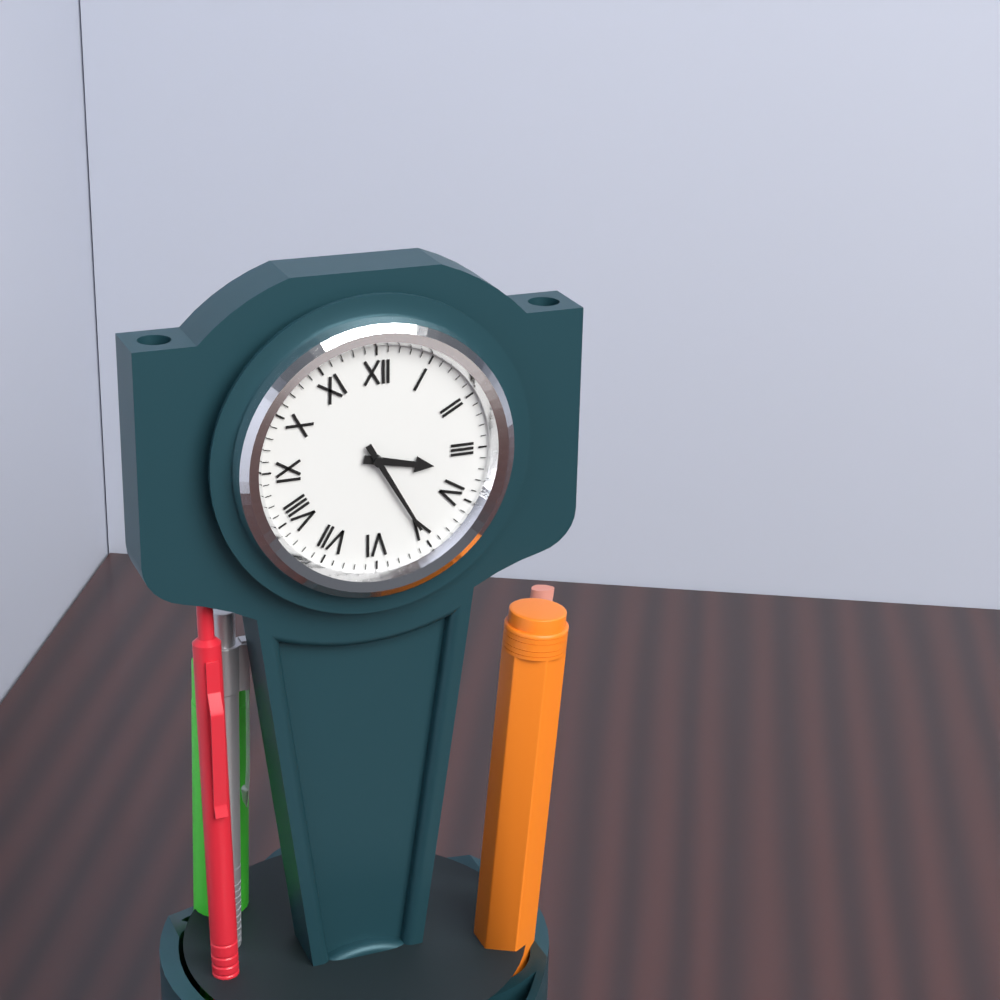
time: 3:25
